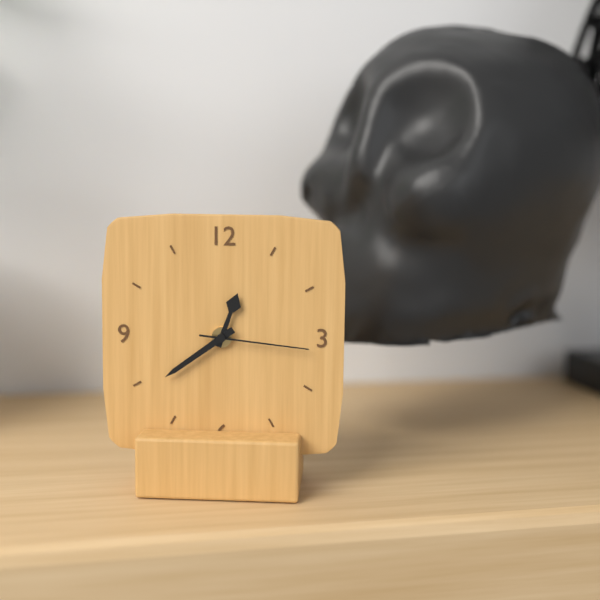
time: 12:39:16
